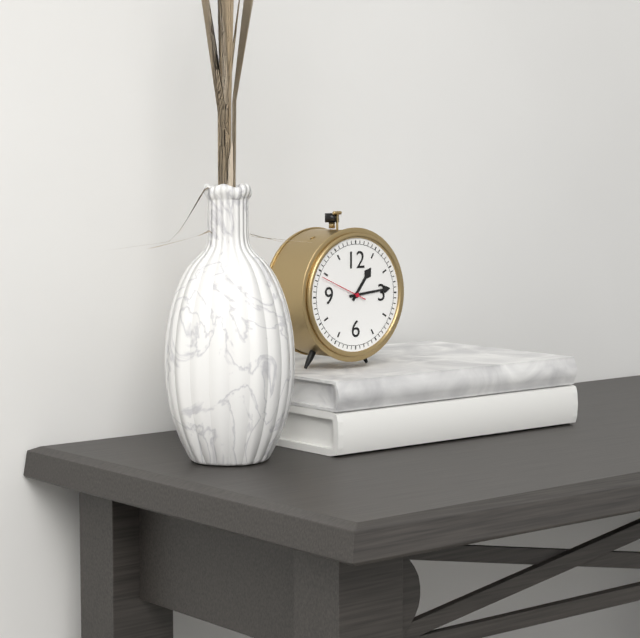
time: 1:14
